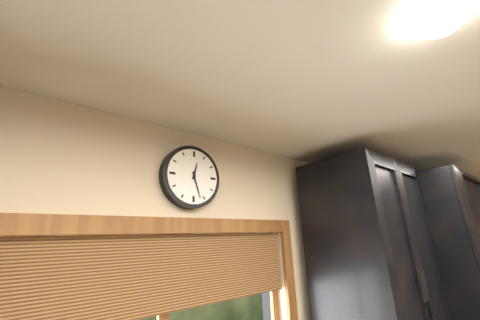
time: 12:27
